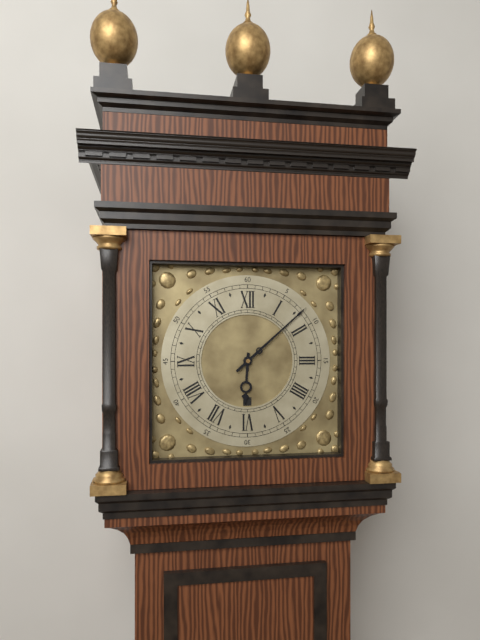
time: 6:08
